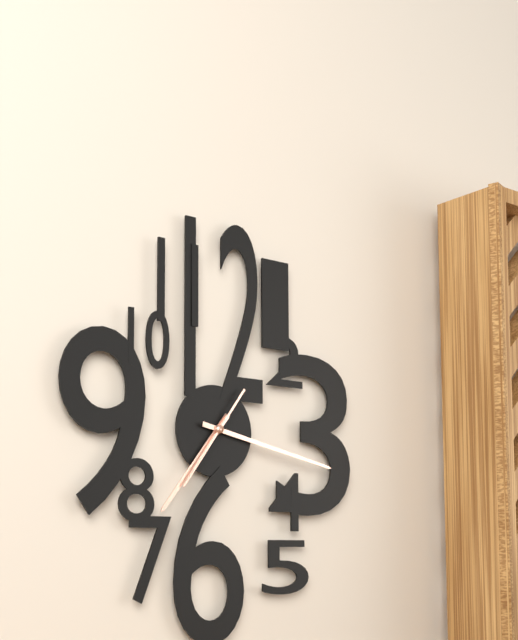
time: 7:17:36
